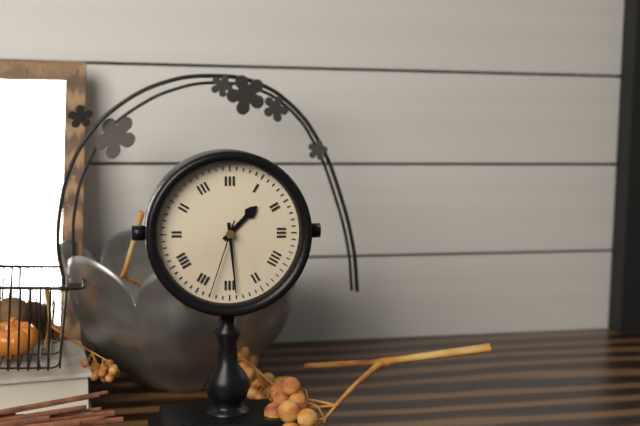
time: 1:29:33
